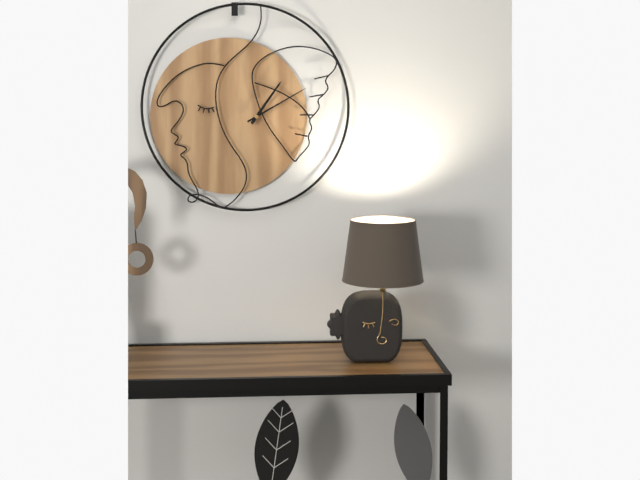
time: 1:10
